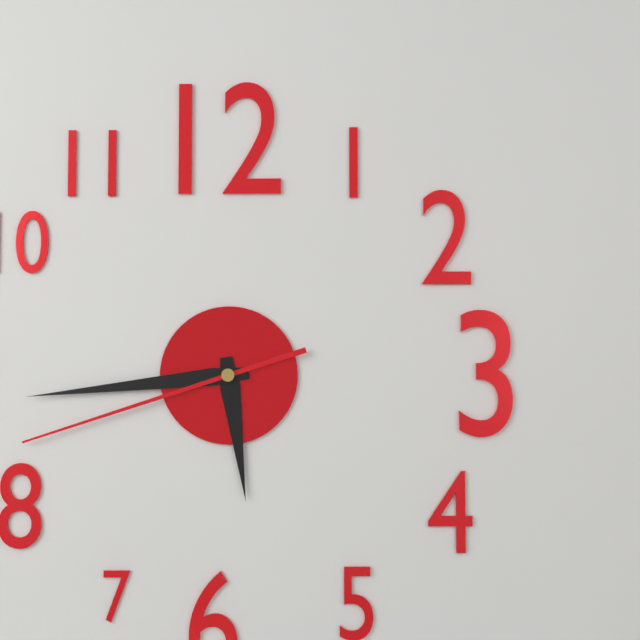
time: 5:44:42
